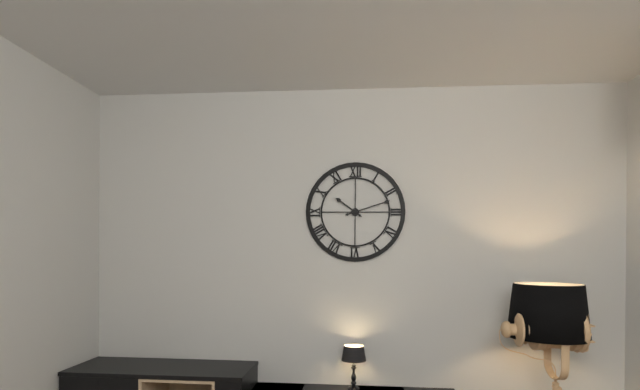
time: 10:12
